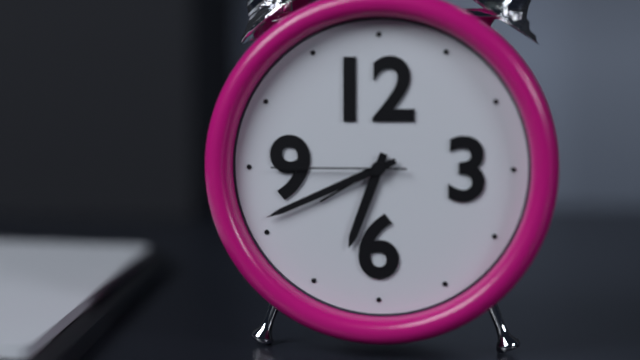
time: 6:41:45
